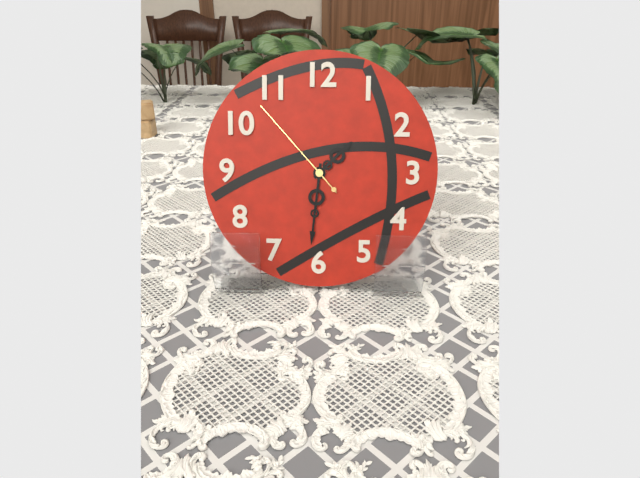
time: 1:31:53
